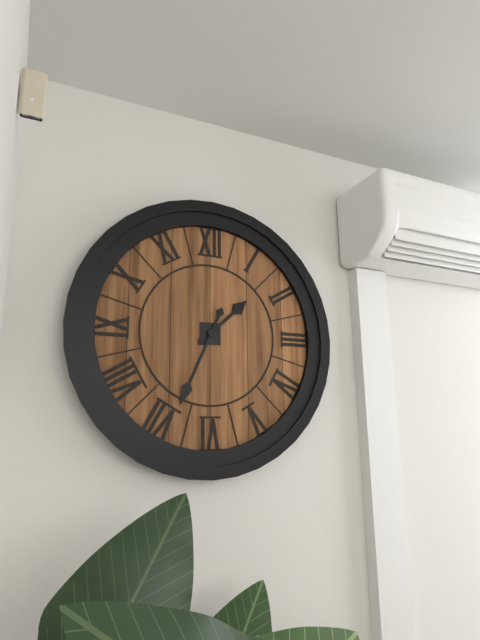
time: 1:34
